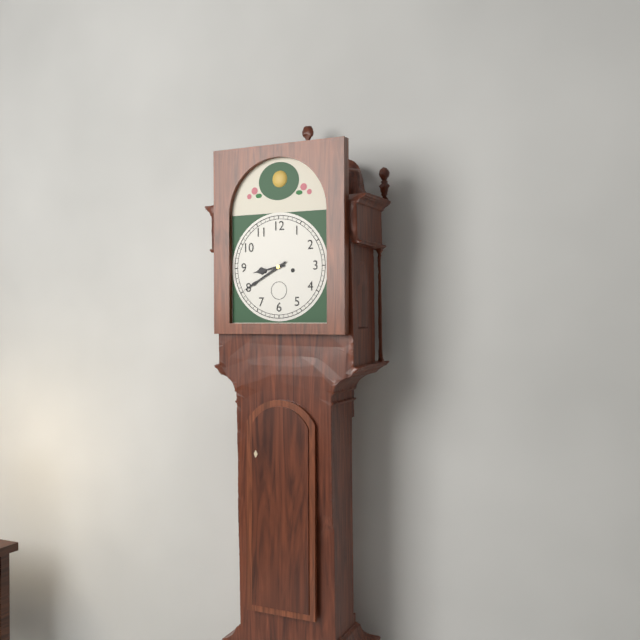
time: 8:40
